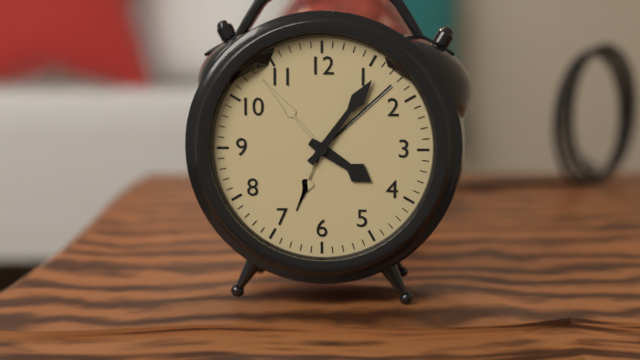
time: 4:06
